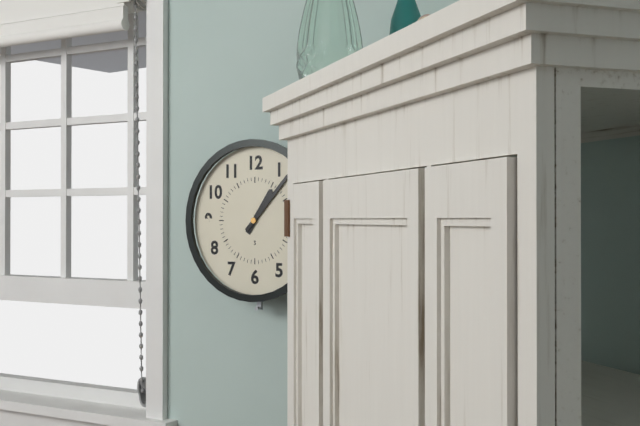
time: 1:07
